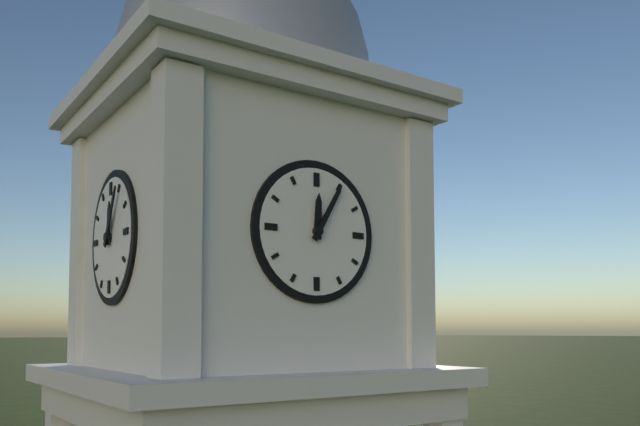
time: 12:05
